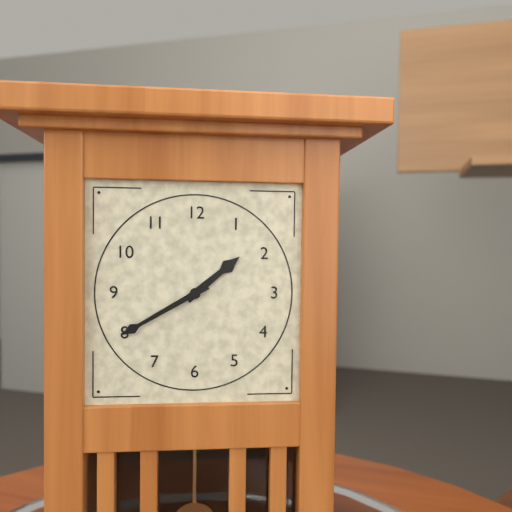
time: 1:40
